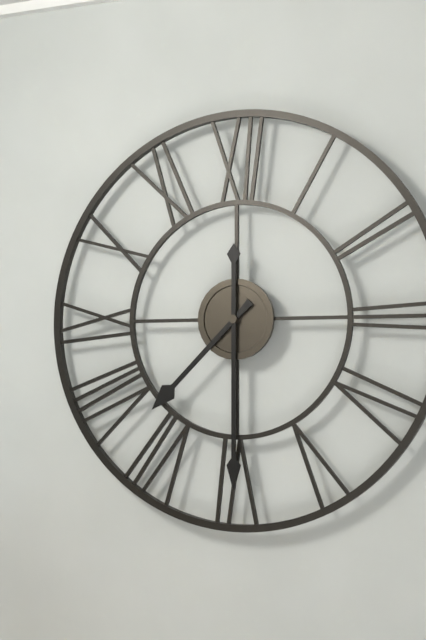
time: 7:30
